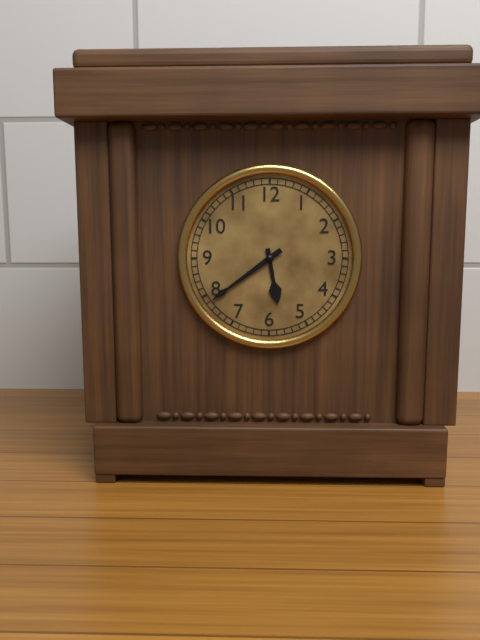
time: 5:39
